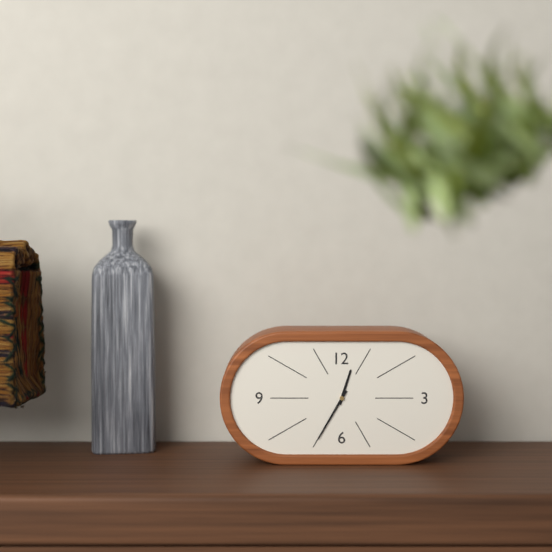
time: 12:35
